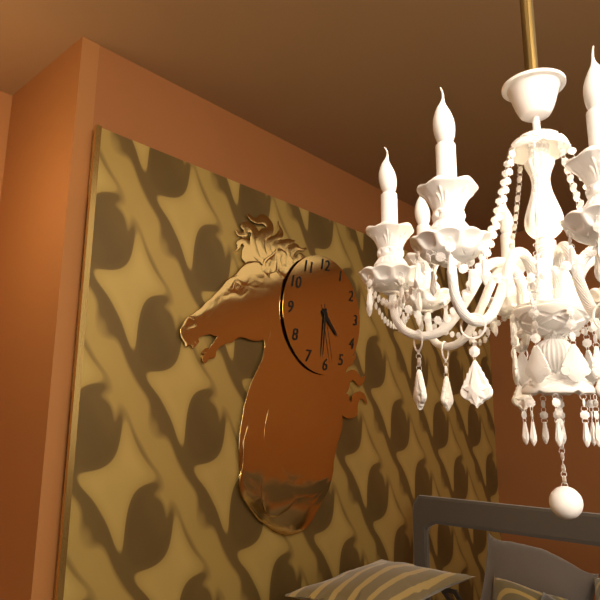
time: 4:31:28
